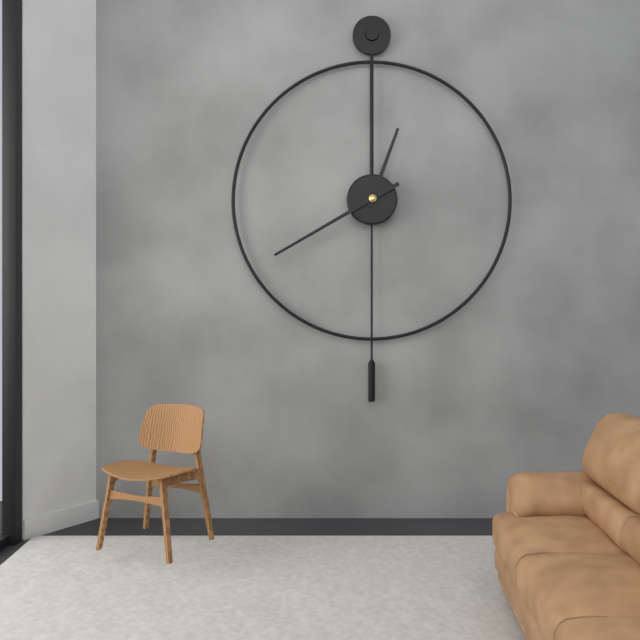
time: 12:40
